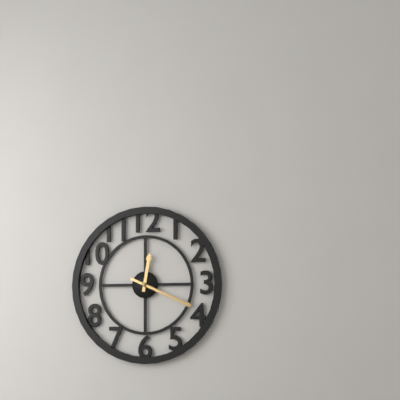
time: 12:19
